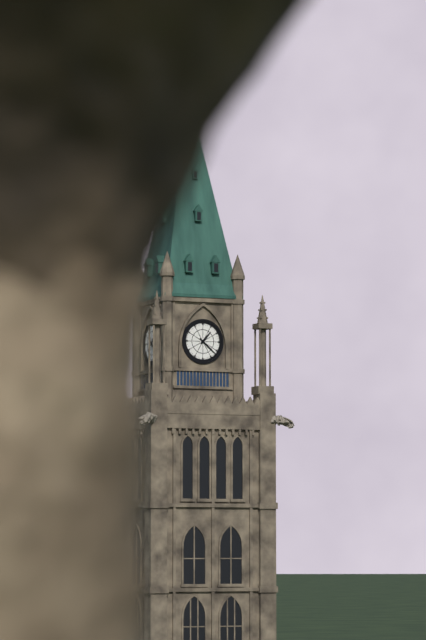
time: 1:22
